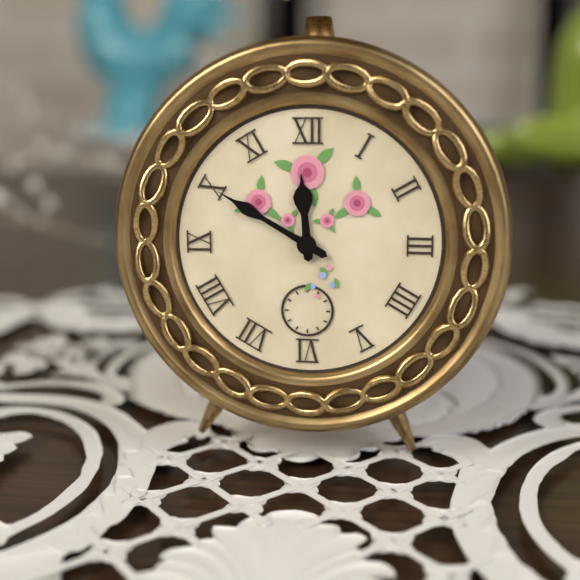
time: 11:50
